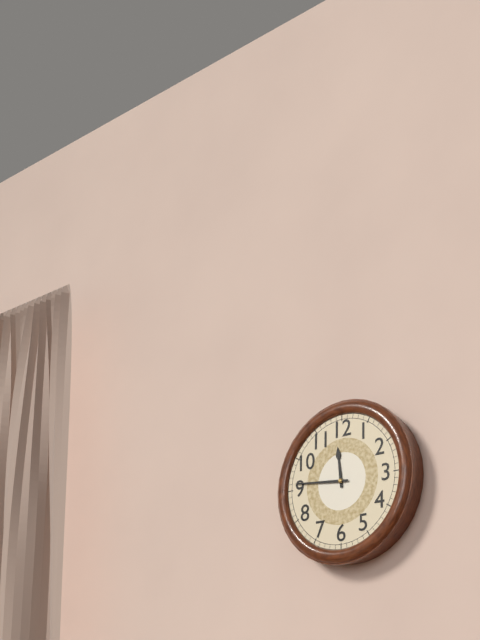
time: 11:46
